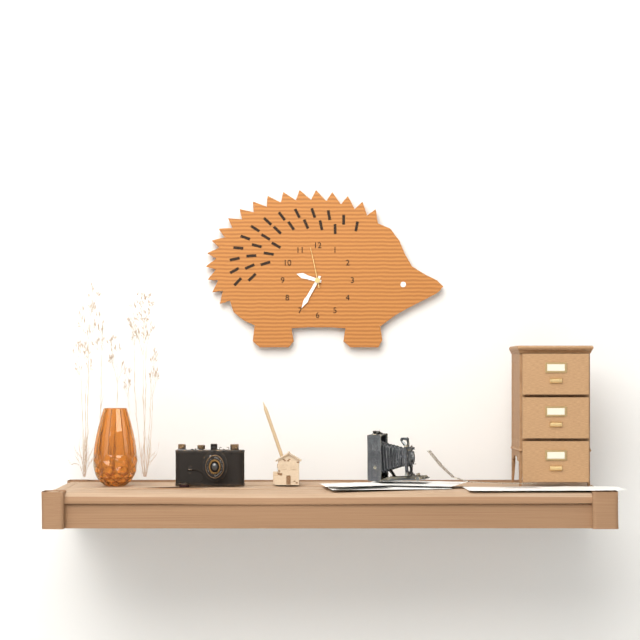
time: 9:35
